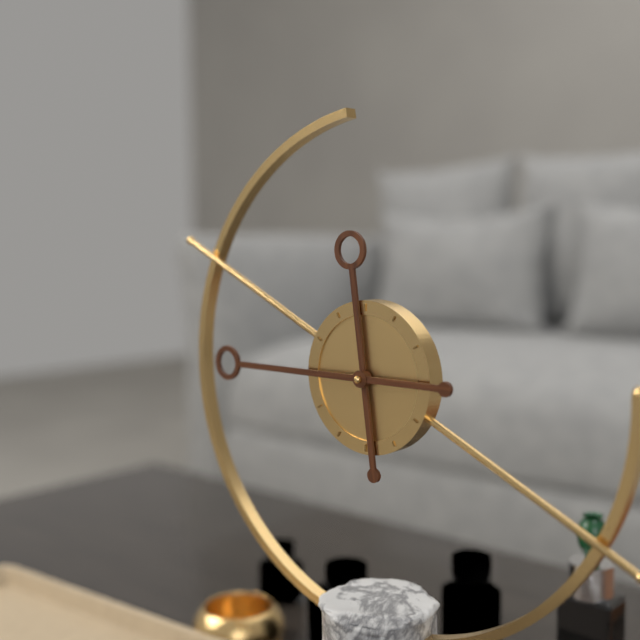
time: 11:45
